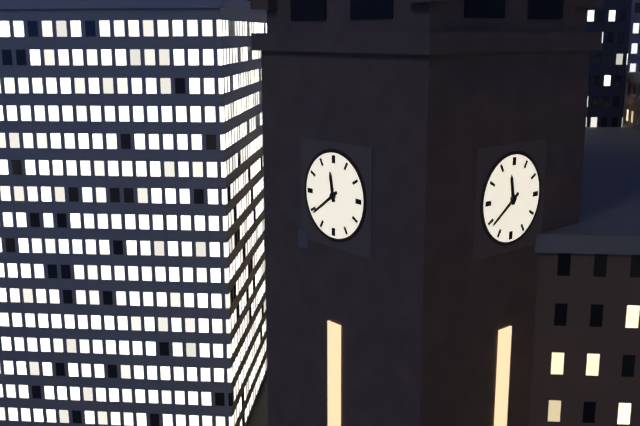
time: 11:39
